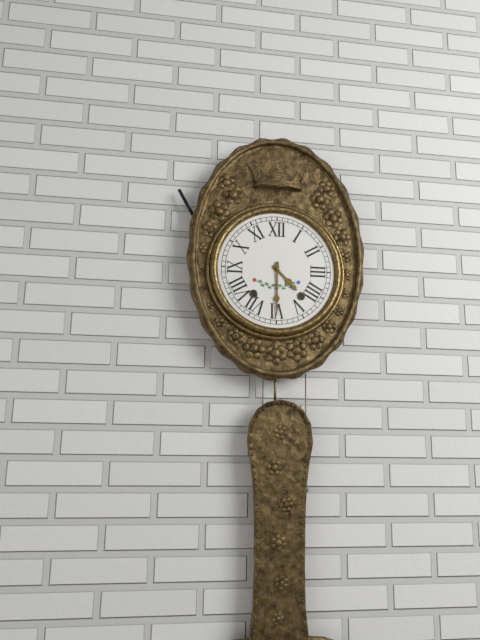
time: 4:30
